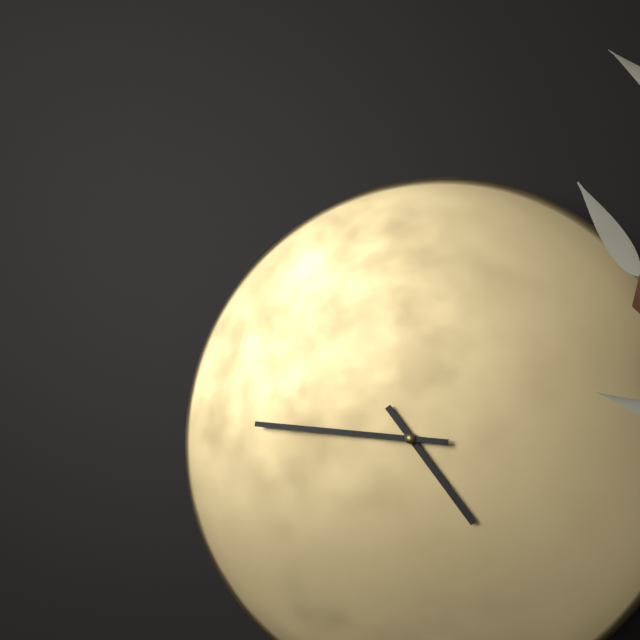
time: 4:46
